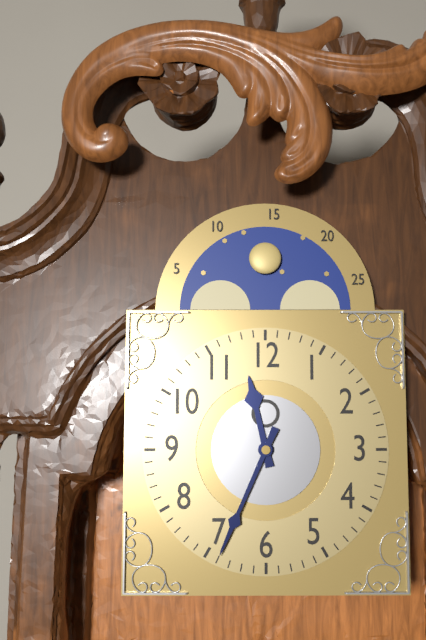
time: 11:34
